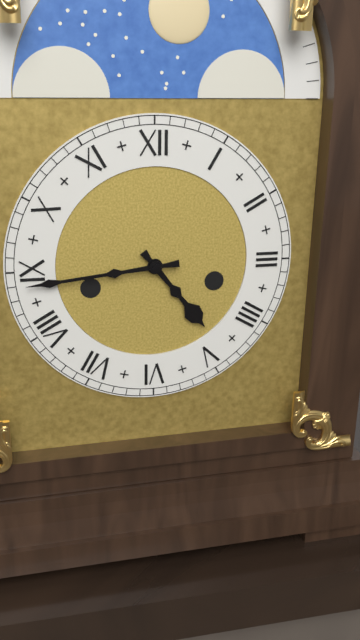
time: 4:44
